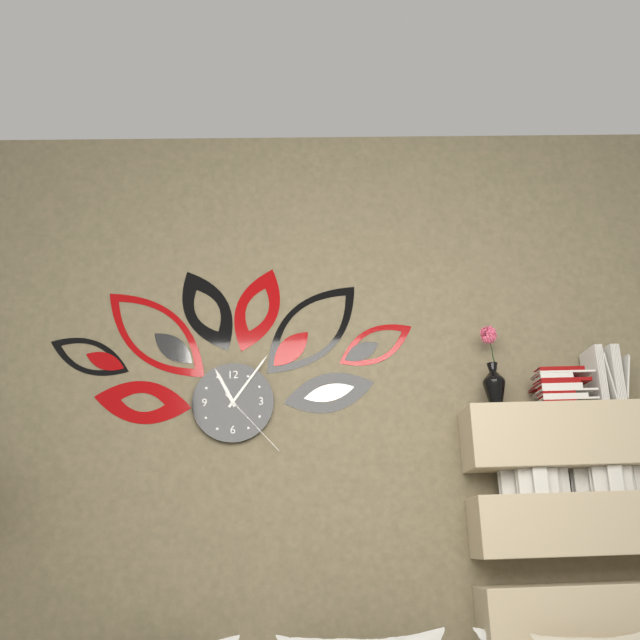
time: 11:06:23
